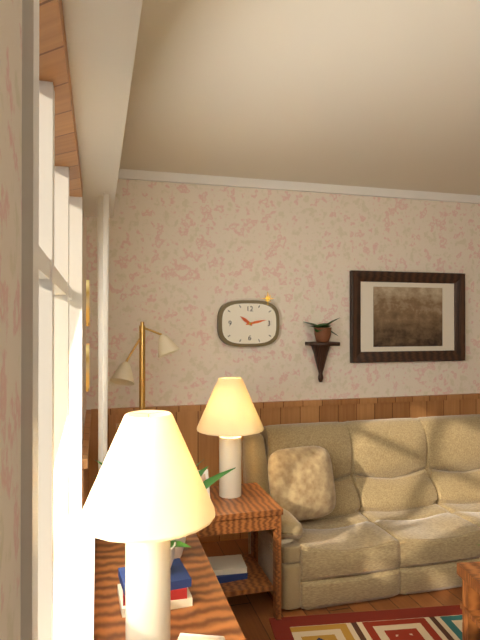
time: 10:13
